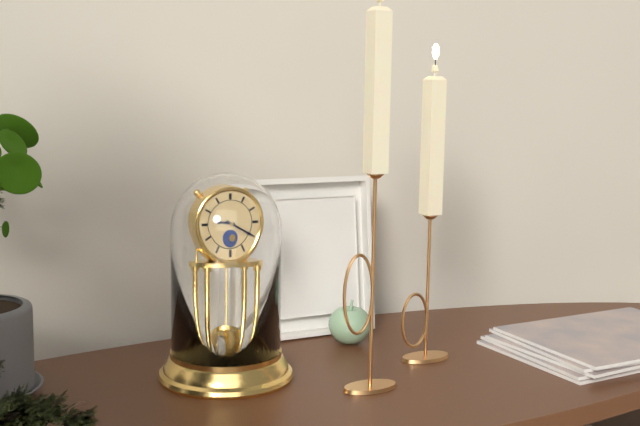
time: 9:20
